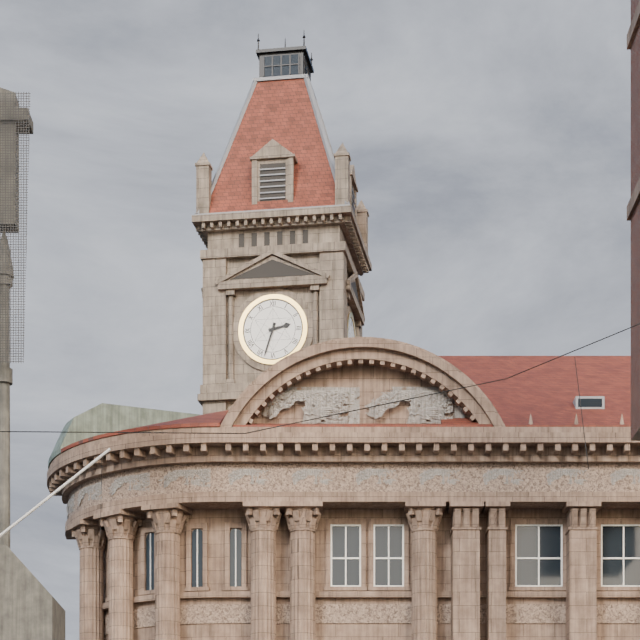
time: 2:33
